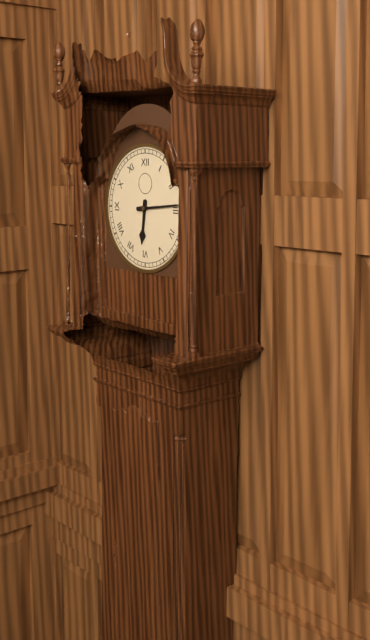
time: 6:14
